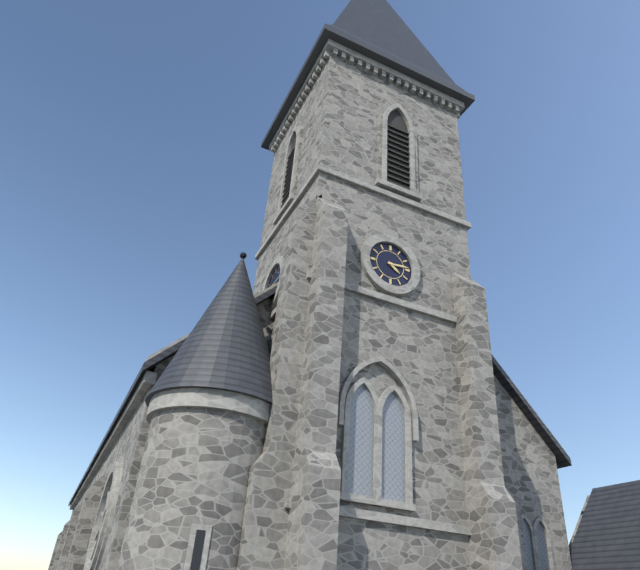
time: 4:14
